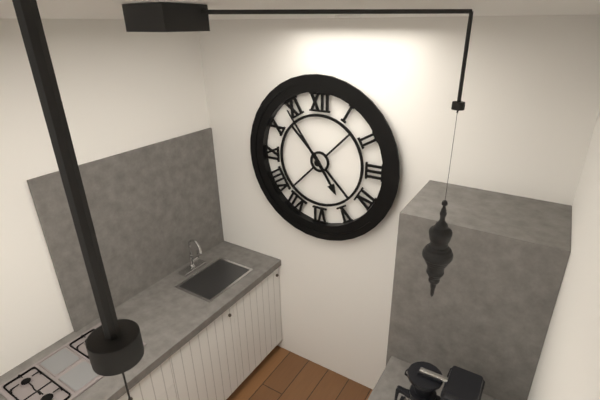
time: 4:54
